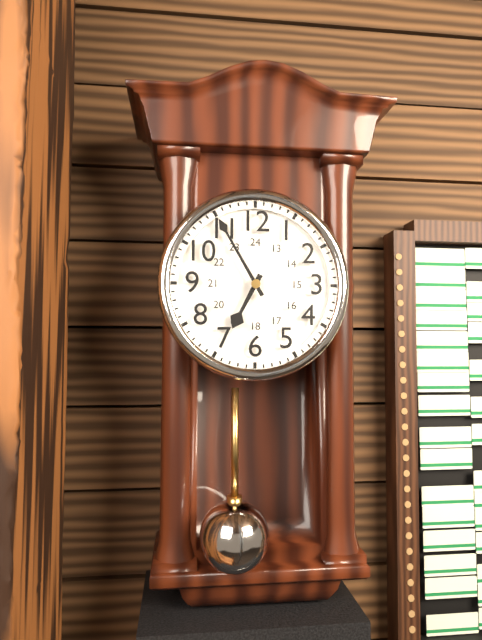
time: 6:55
